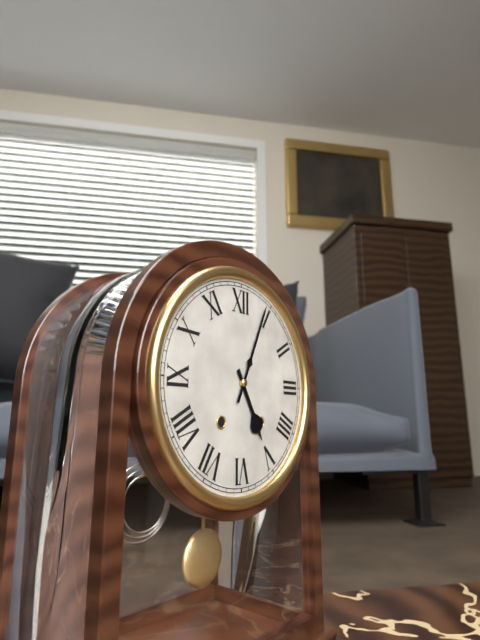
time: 5:04
